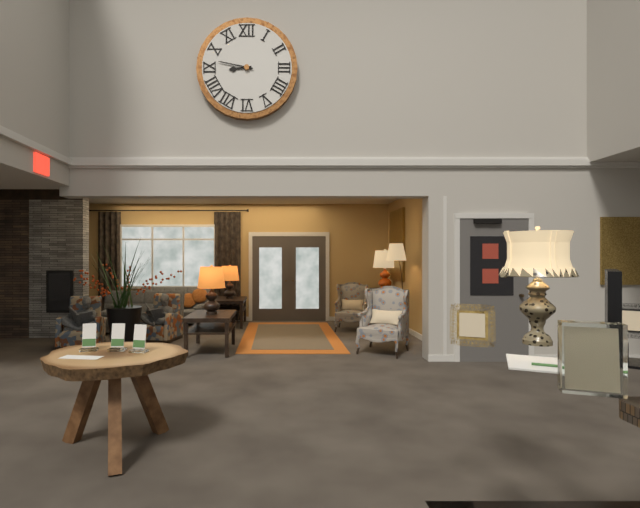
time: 8:47
